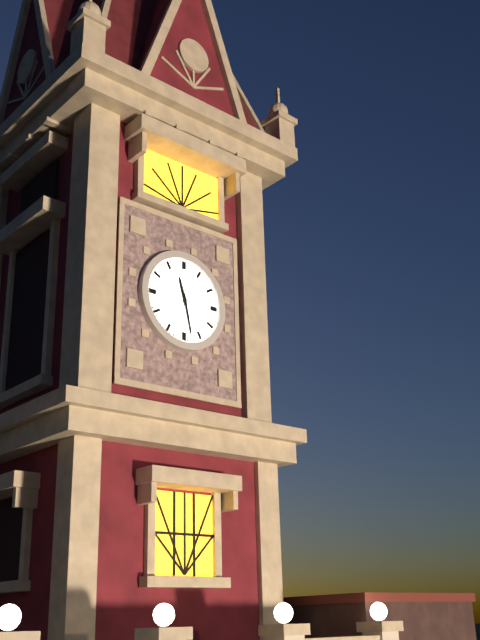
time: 11:28
